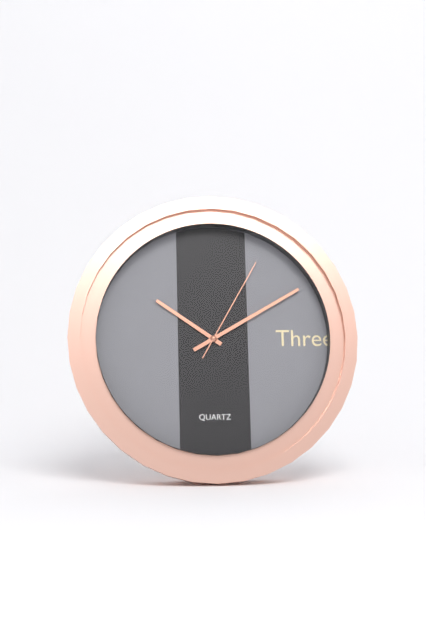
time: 10:10:05
